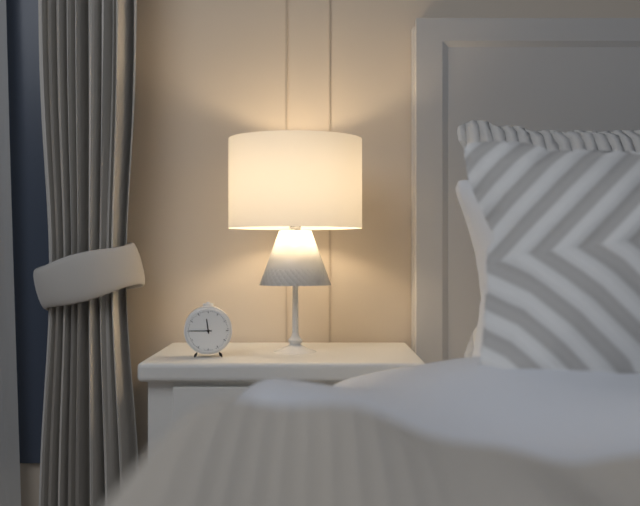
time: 11:45
